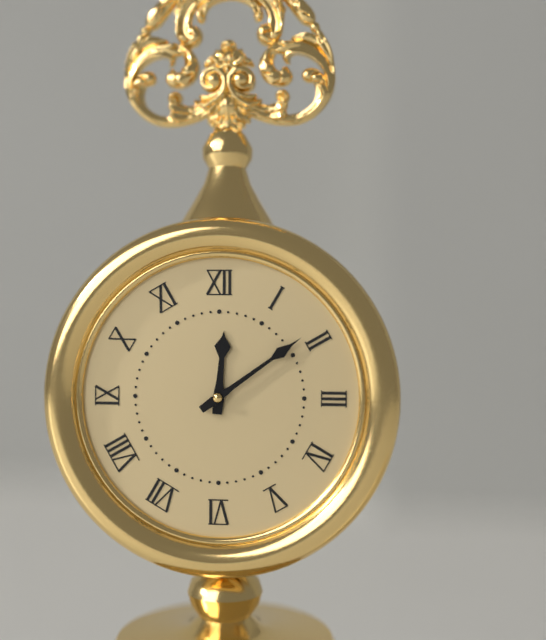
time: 12:09
